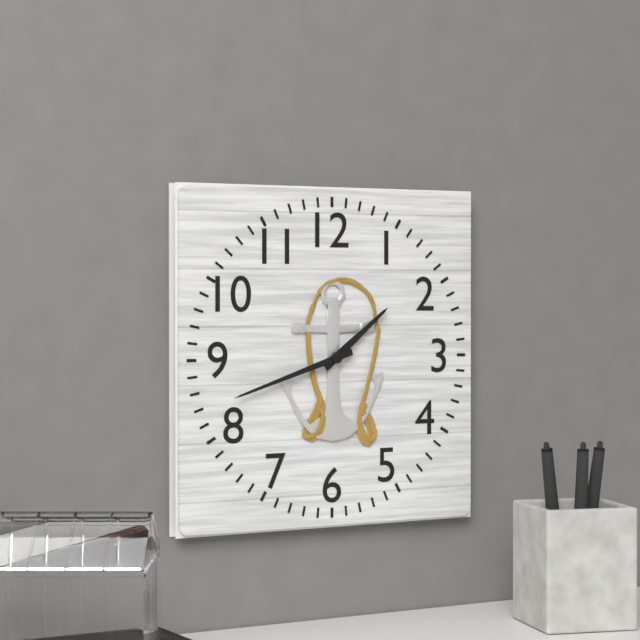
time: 1:42
